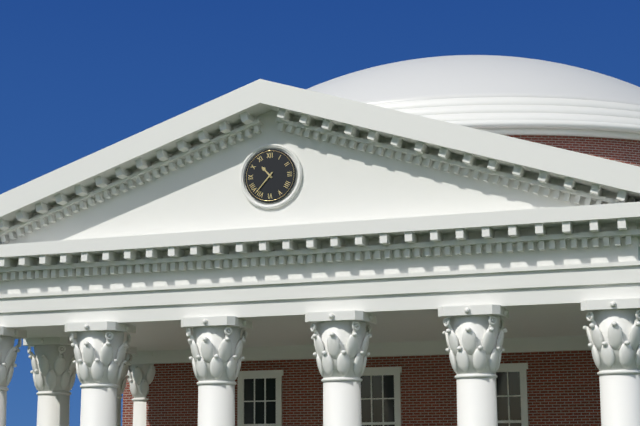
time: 10:37
